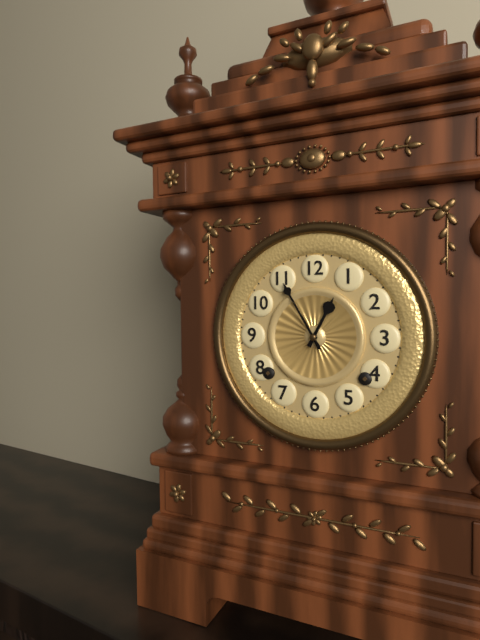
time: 12:55
